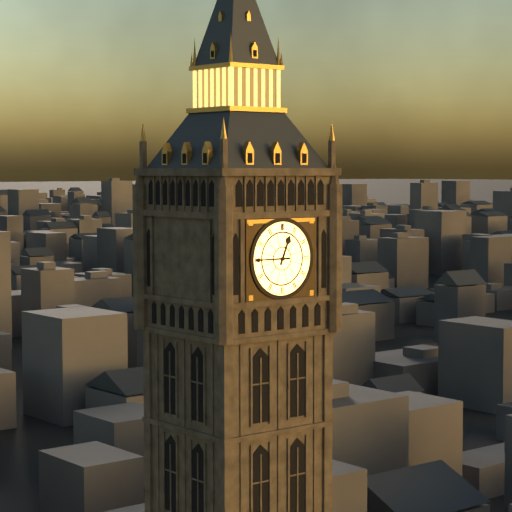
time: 12:45
